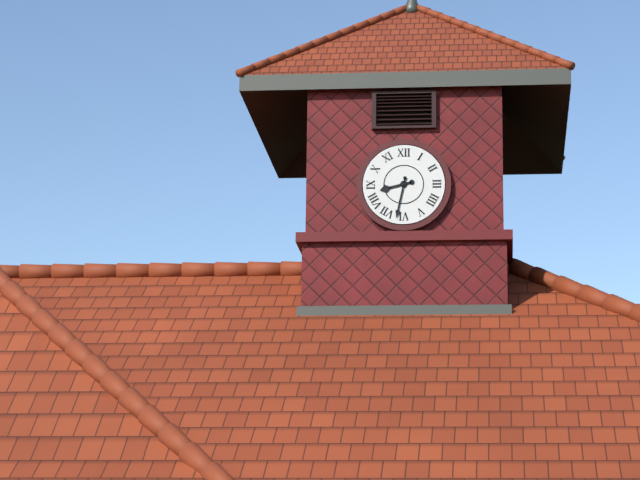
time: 8:32
